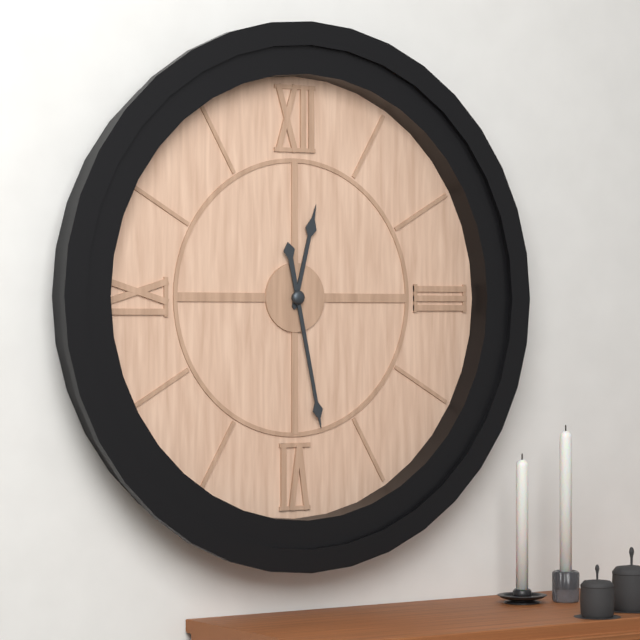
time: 12:28
